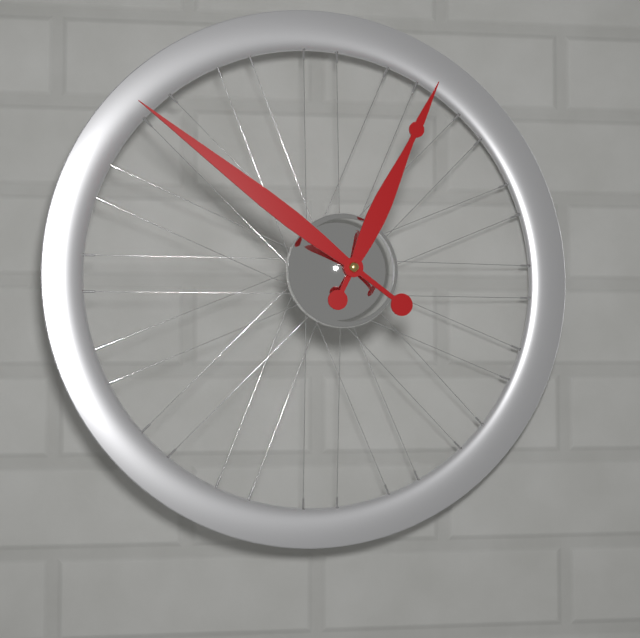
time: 12:51
